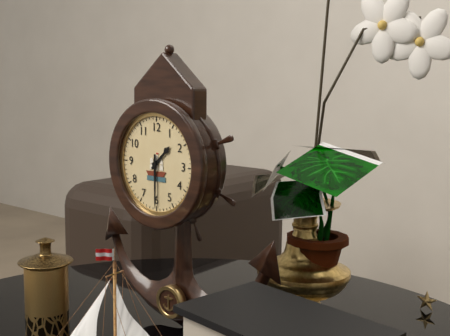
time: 1:30
